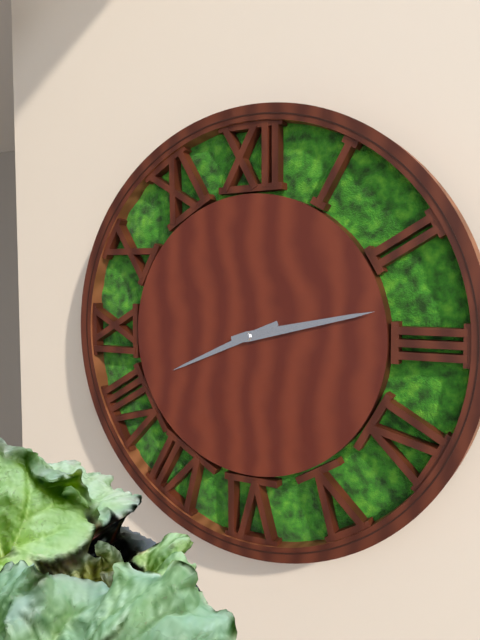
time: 8:13
